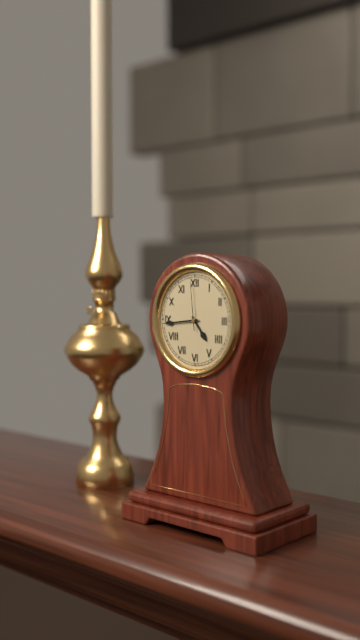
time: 4:44:59
